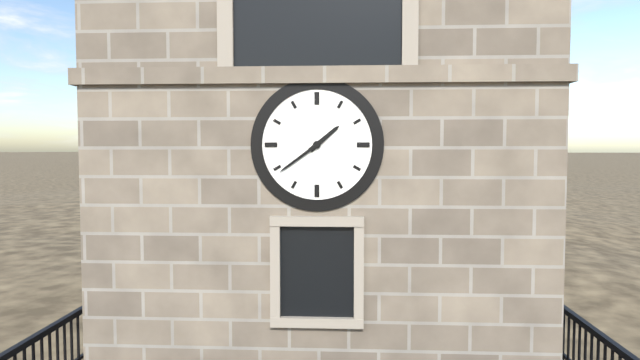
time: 1:39
